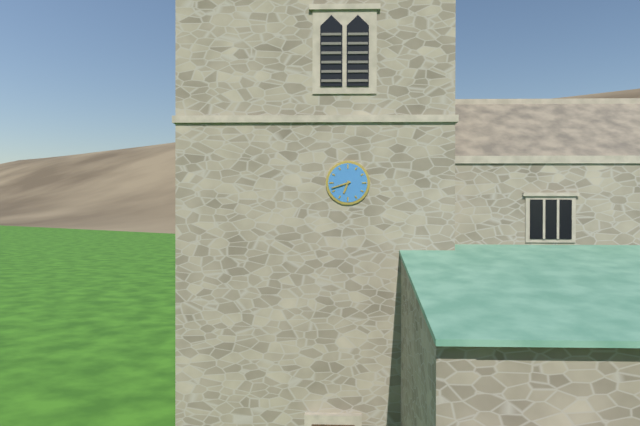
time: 6:42
